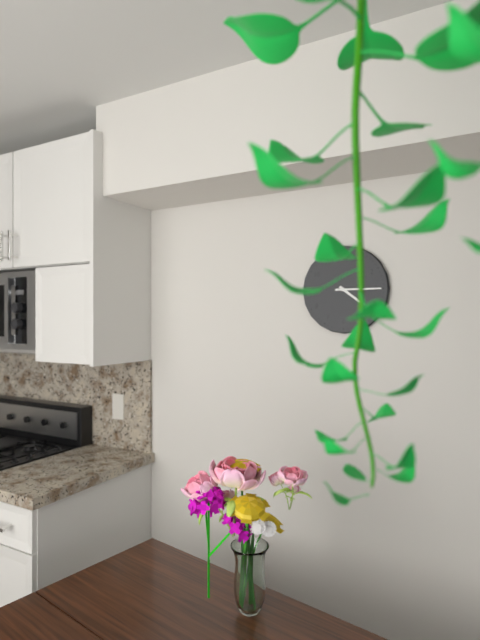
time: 4:15
